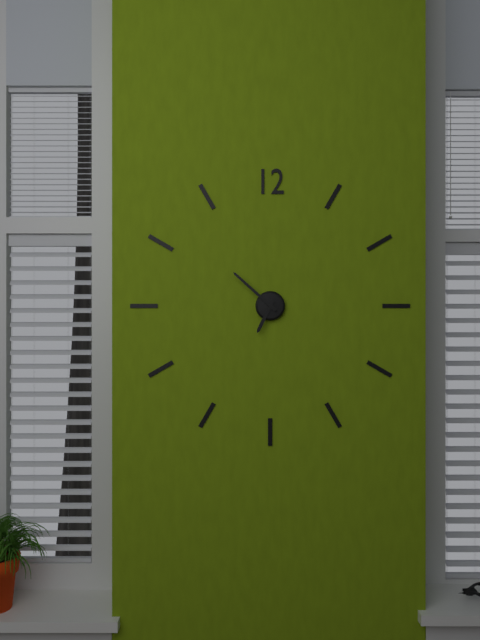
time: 6:52
